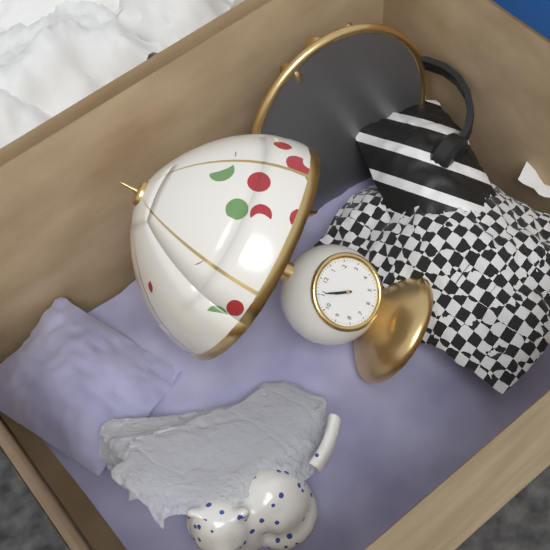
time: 10:55
